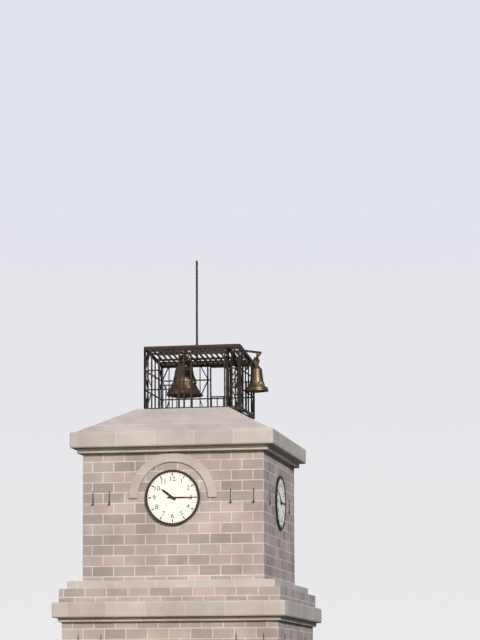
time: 10:15
